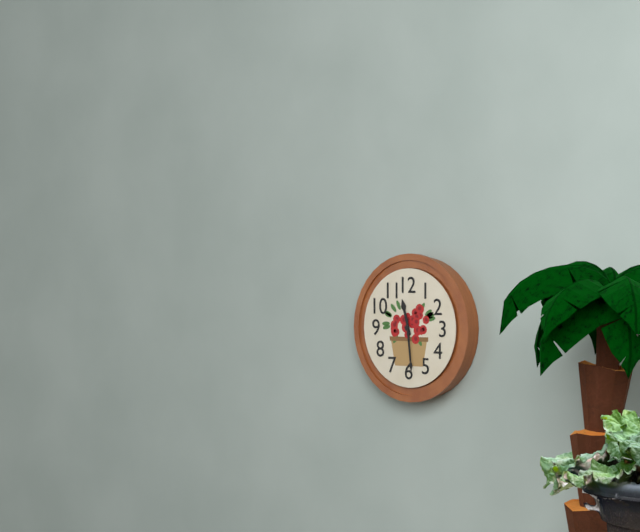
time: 11:29
